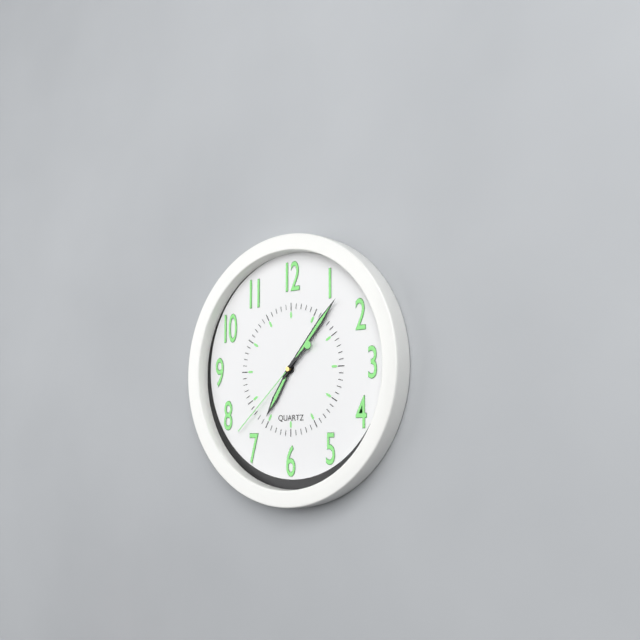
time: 7:07:38
